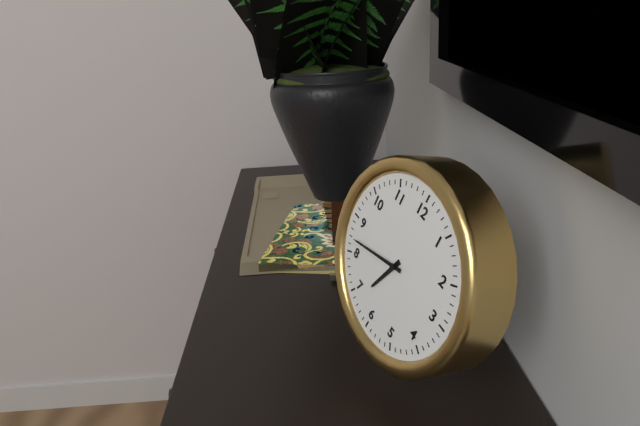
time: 6:42
